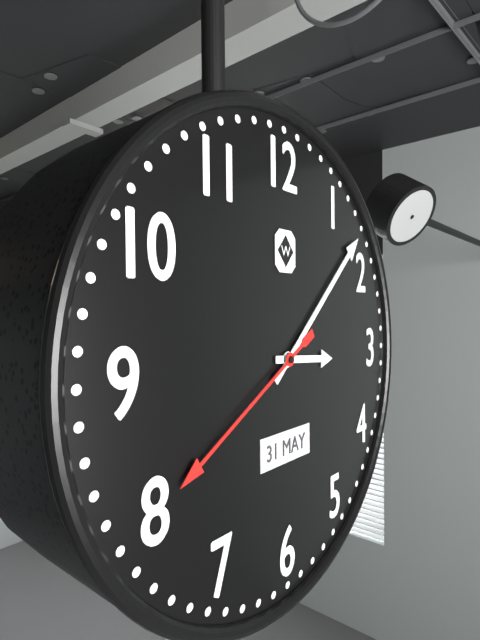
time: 3:08:40
